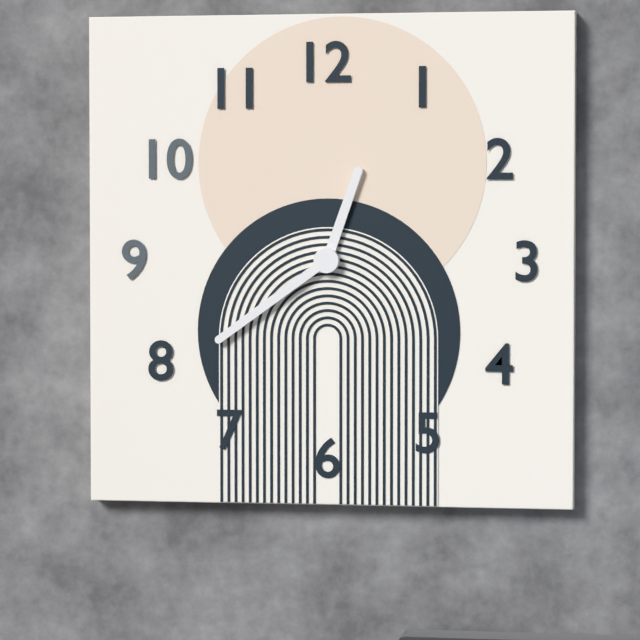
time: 12:39
